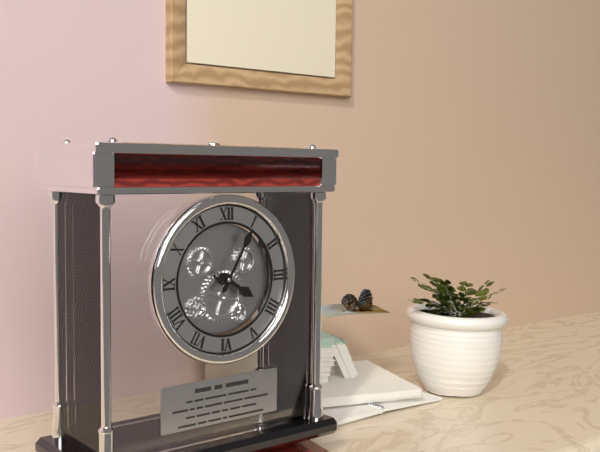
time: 4:05
